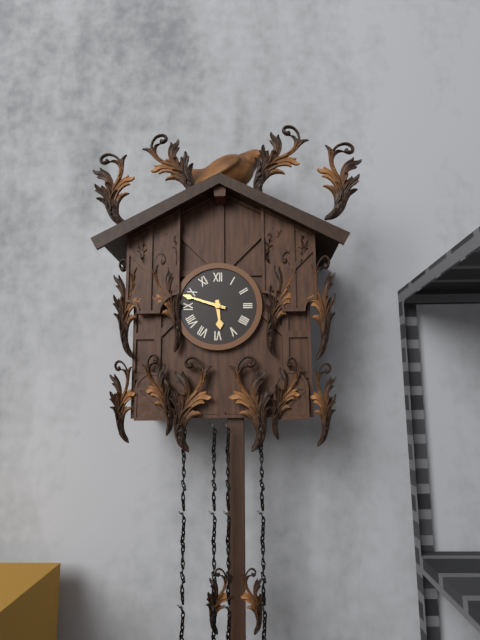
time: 5:48
